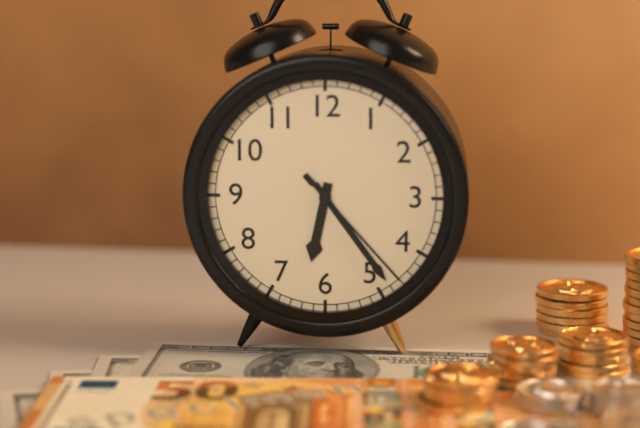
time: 6:24:23
